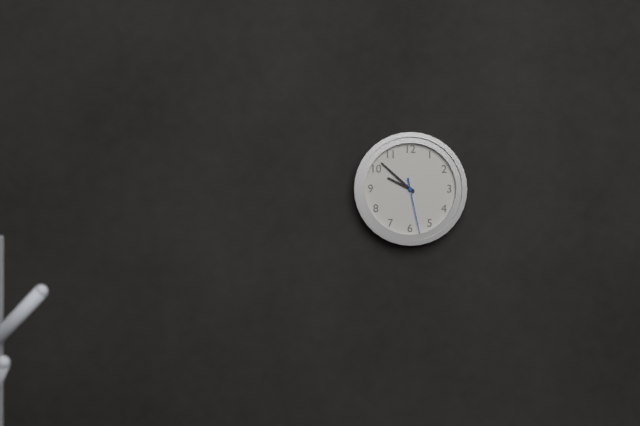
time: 9:52:28
